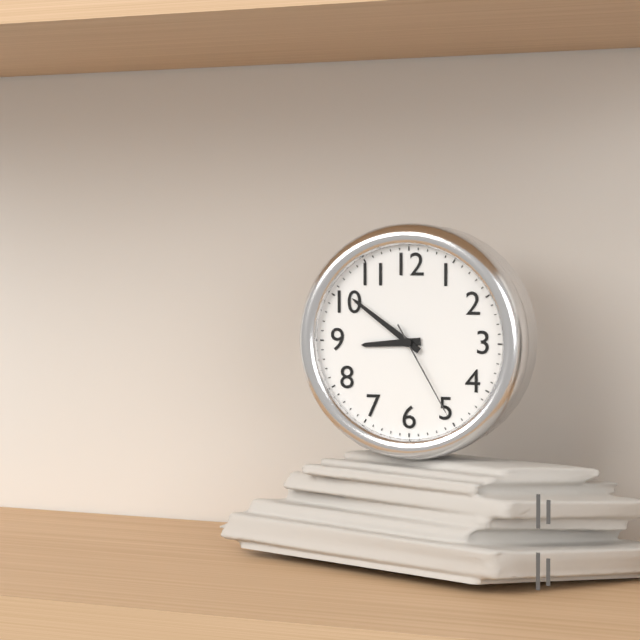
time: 8:51:25
